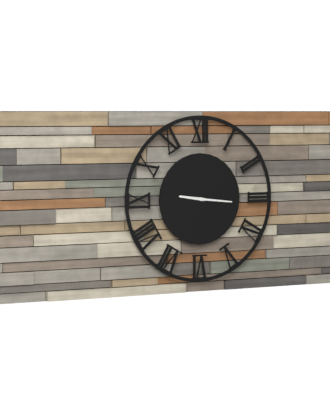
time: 9:16
